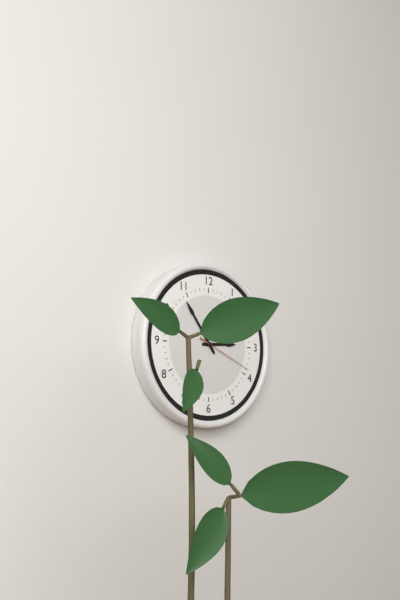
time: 2:54:19
